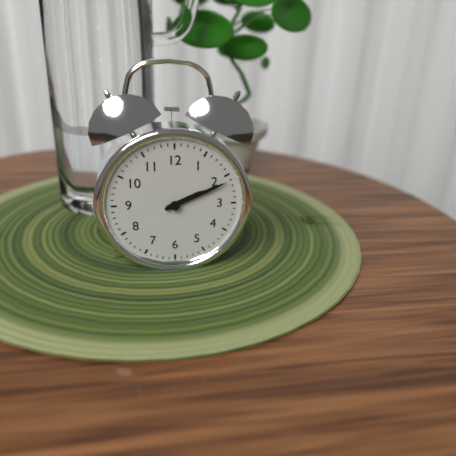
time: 2:11
